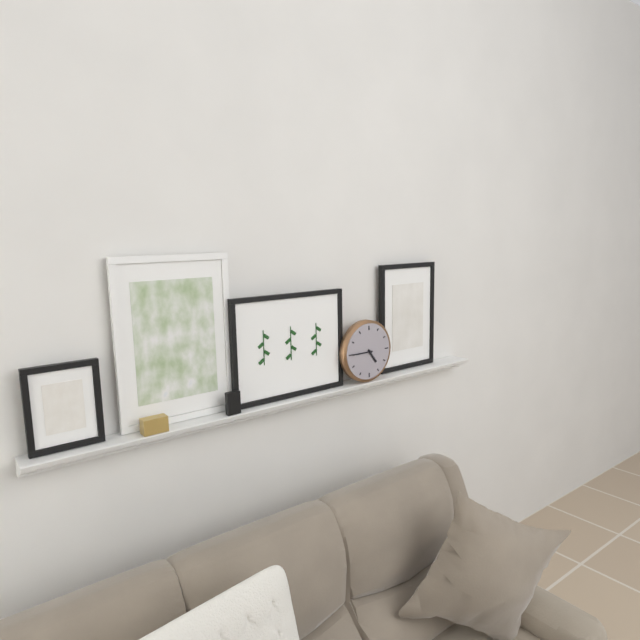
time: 4:45
